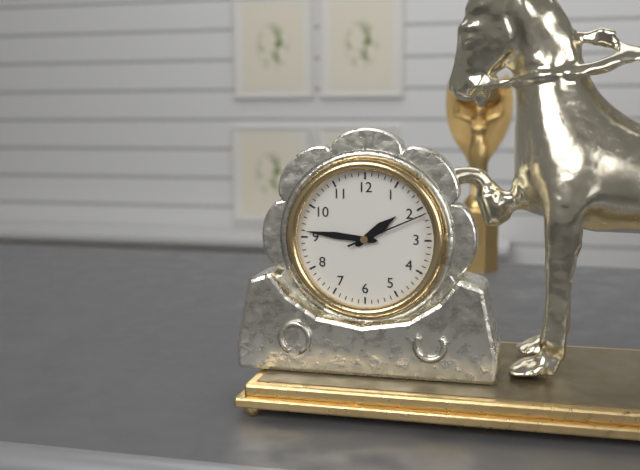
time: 1:46:11
